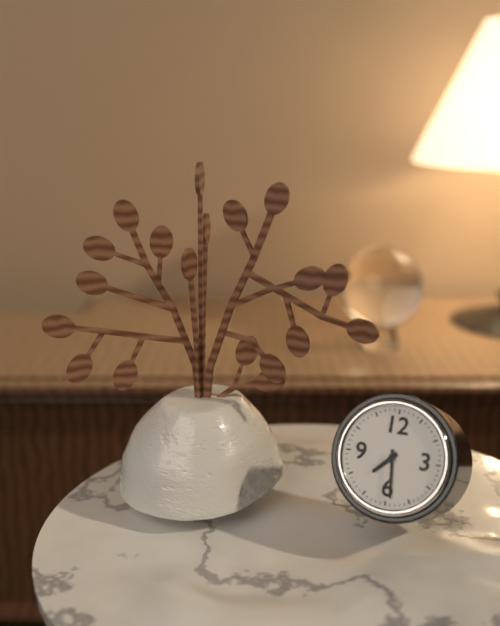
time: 7:29
